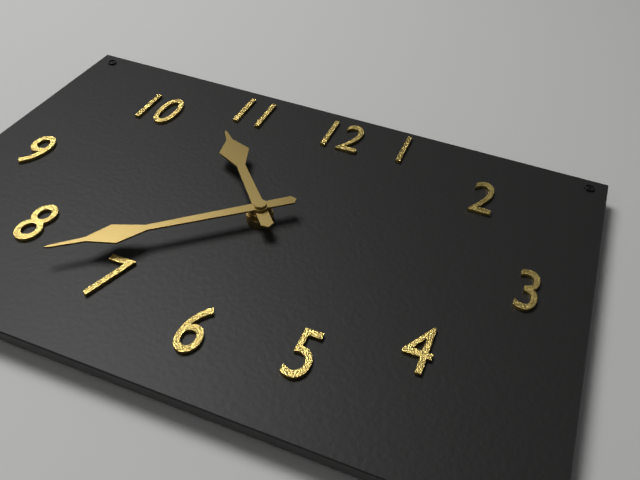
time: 10:38
